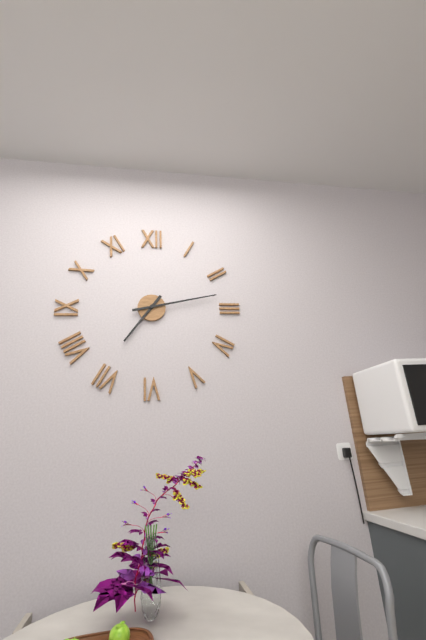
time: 7:13
